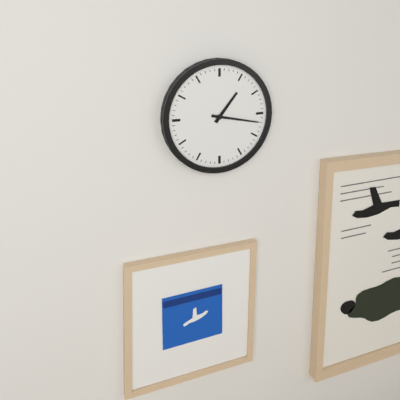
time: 1:17
